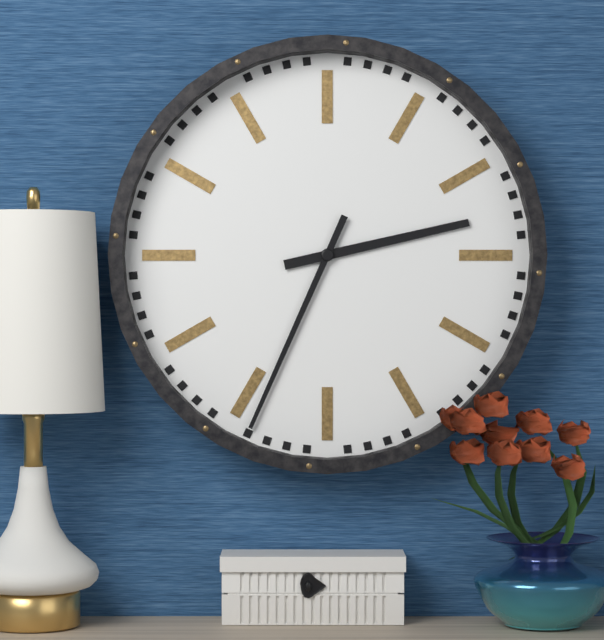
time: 2:34
